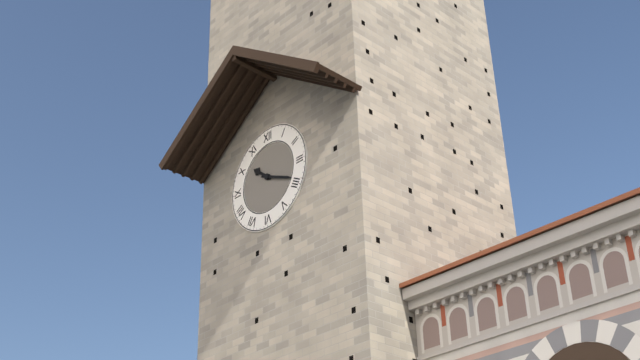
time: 10:19
